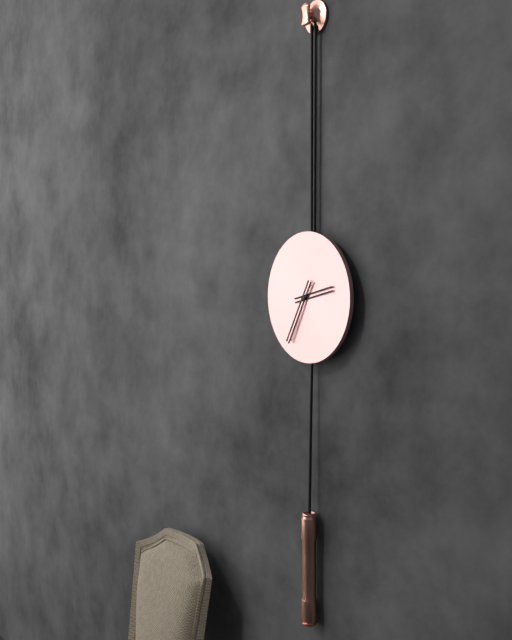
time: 2:35
